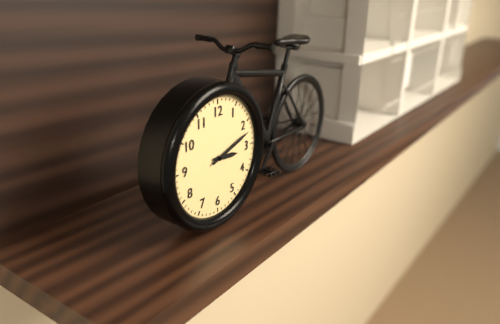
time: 3:12
